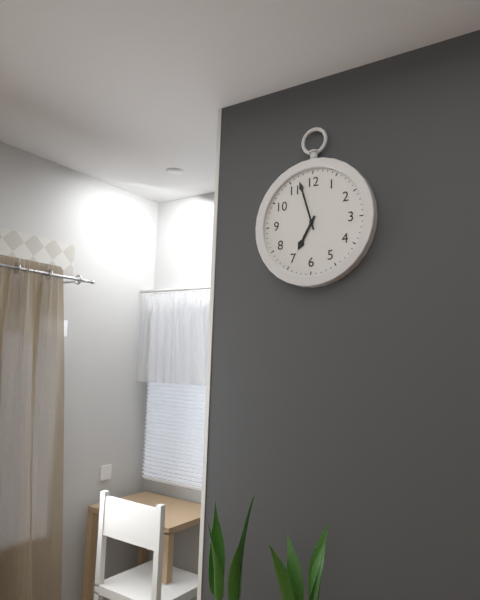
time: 6:57
